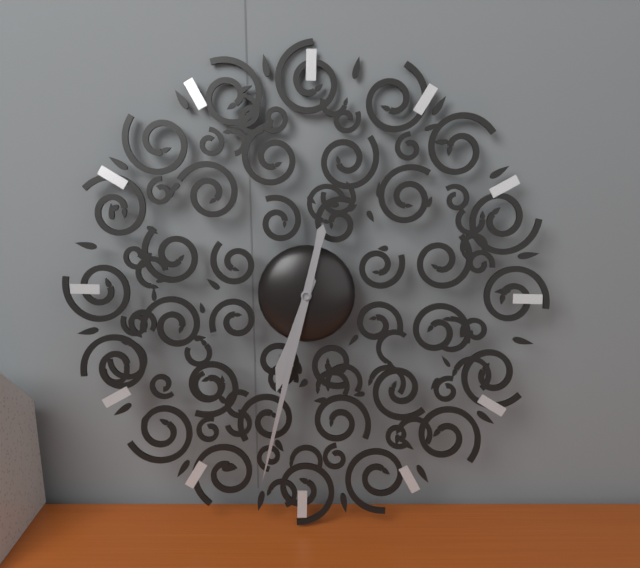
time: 6:32
